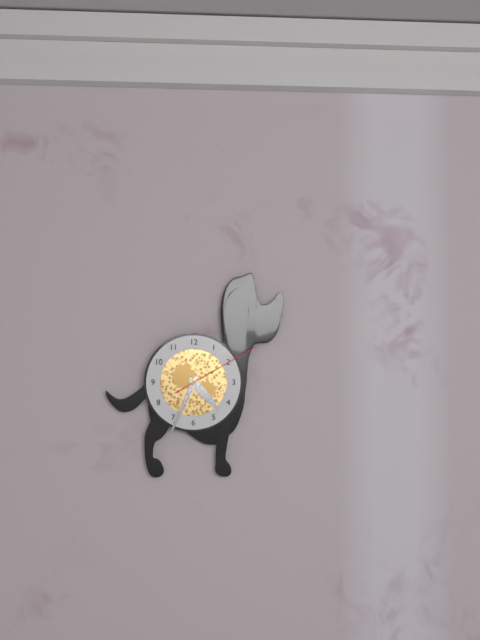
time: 4:34:10
